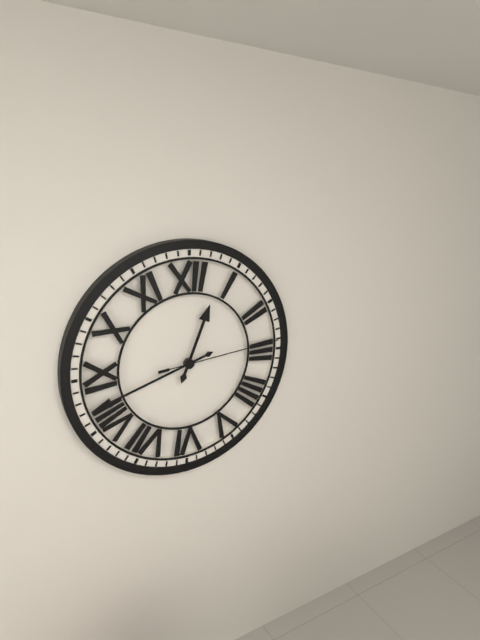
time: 12:42:14
